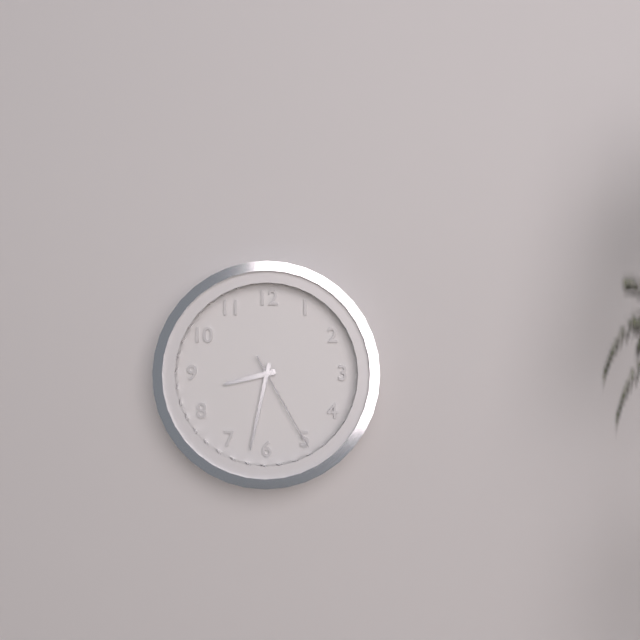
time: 8:32:25
